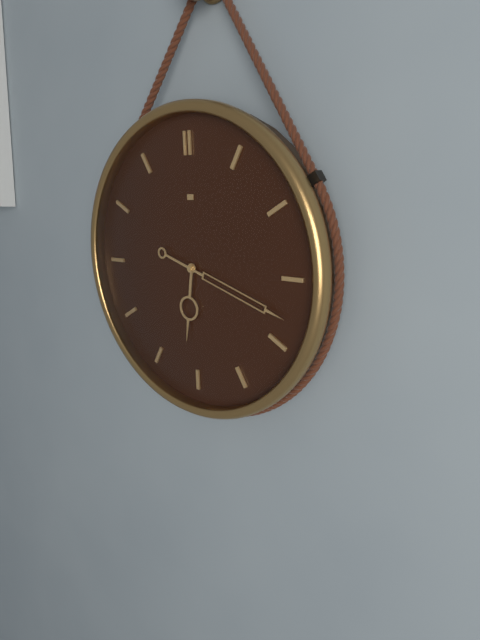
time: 6:18
